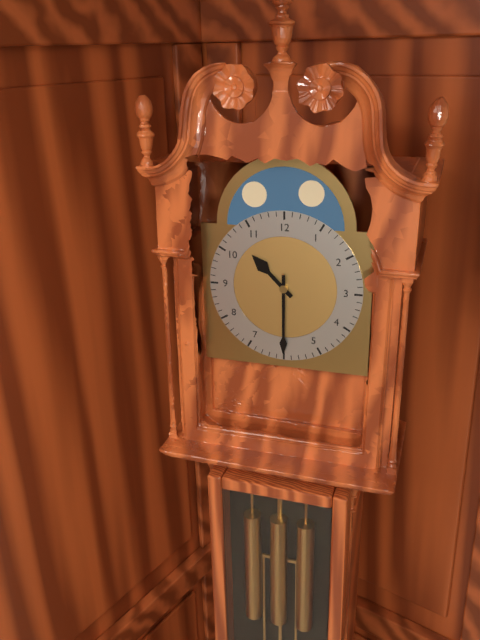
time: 10:30
